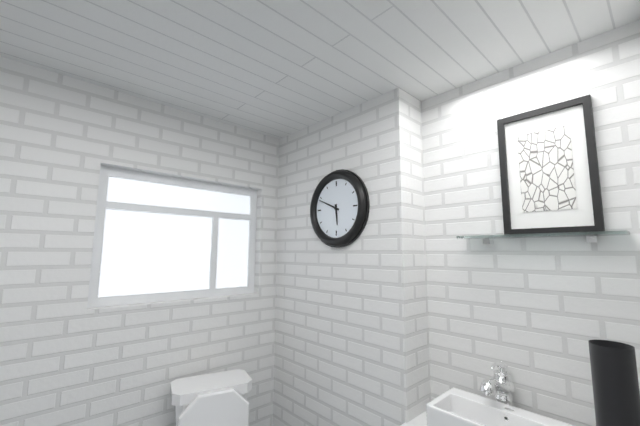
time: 5:49
